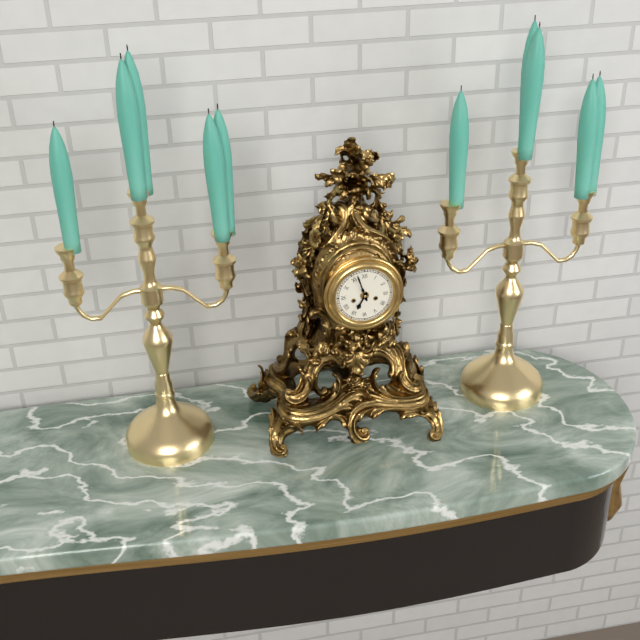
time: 6:57
